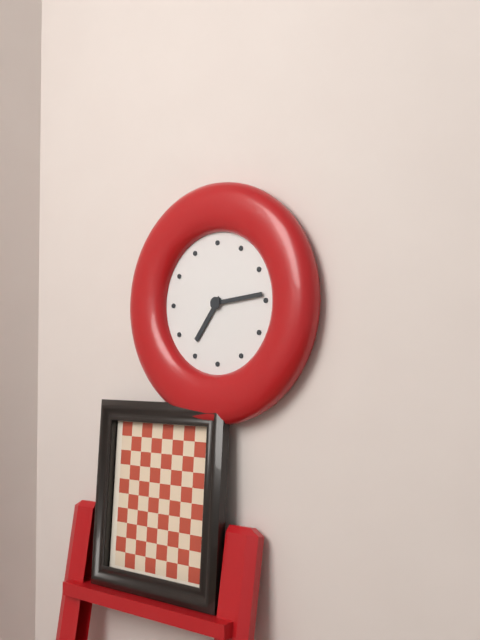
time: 7:14
